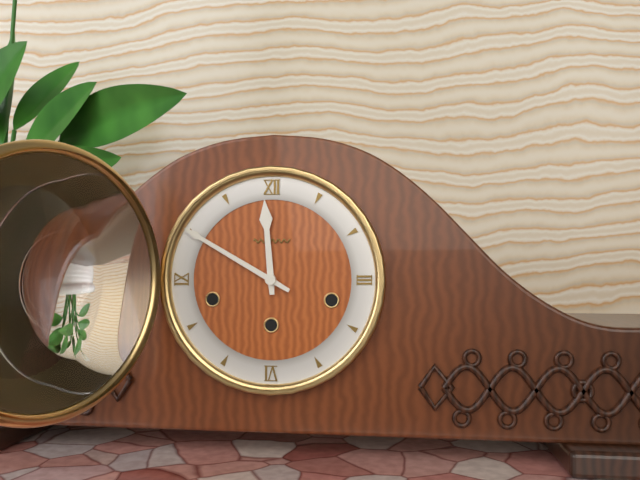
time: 11:50
